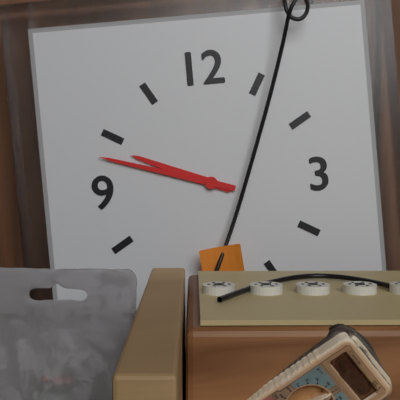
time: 9:48
